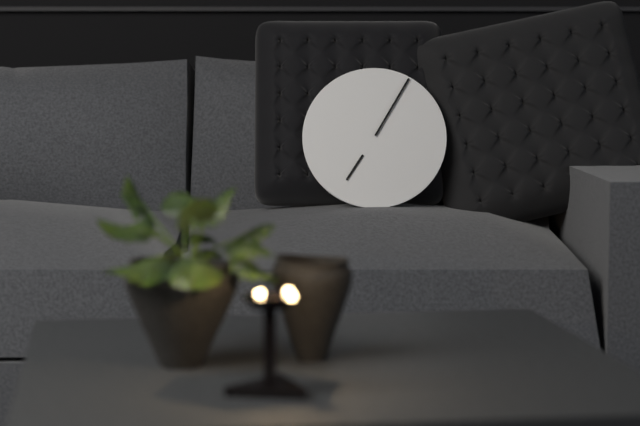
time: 7:05
